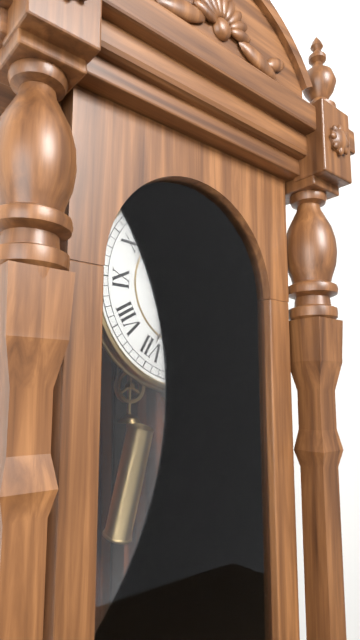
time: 5:35
